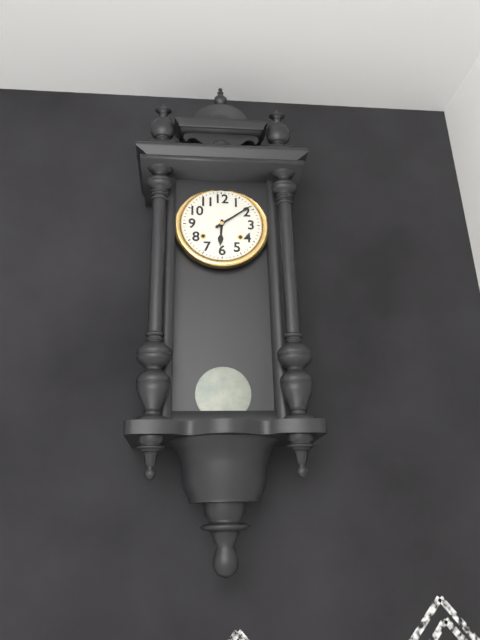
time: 6:09
